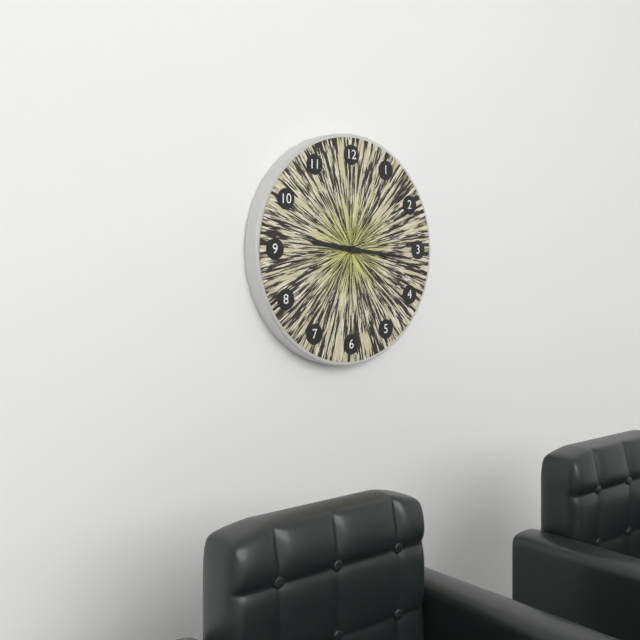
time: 9:16
